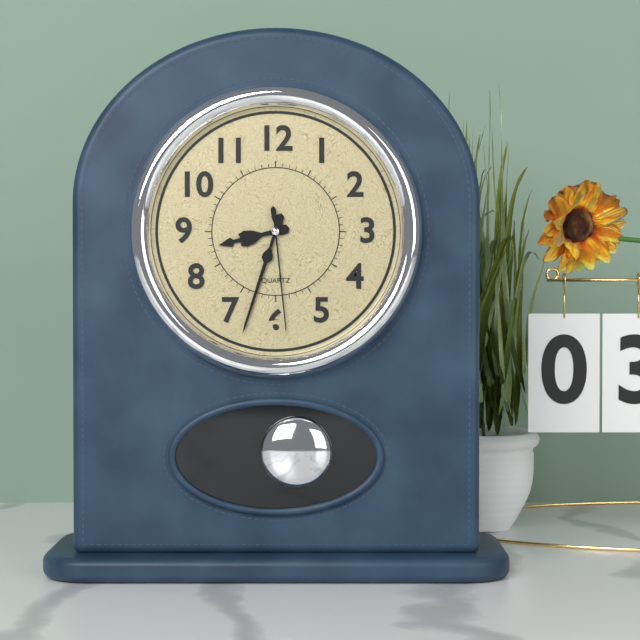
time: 8:33:29
